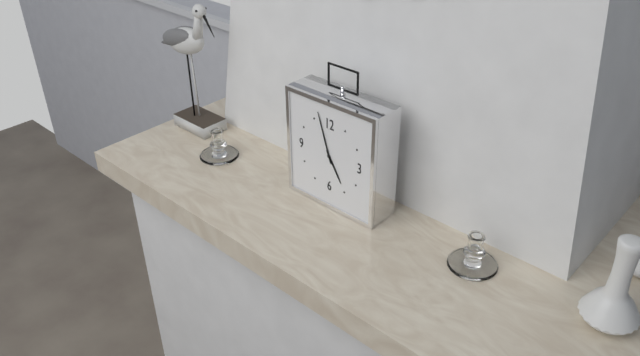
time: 4:57
